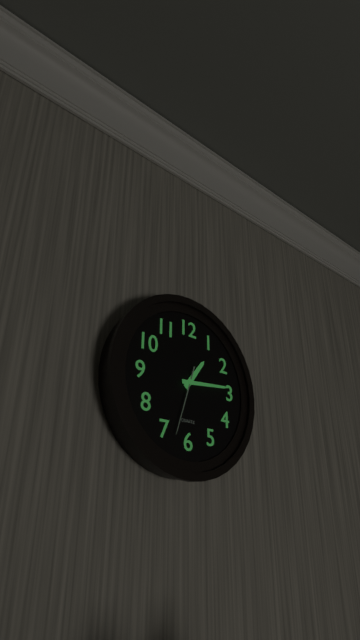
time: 1:14:33
